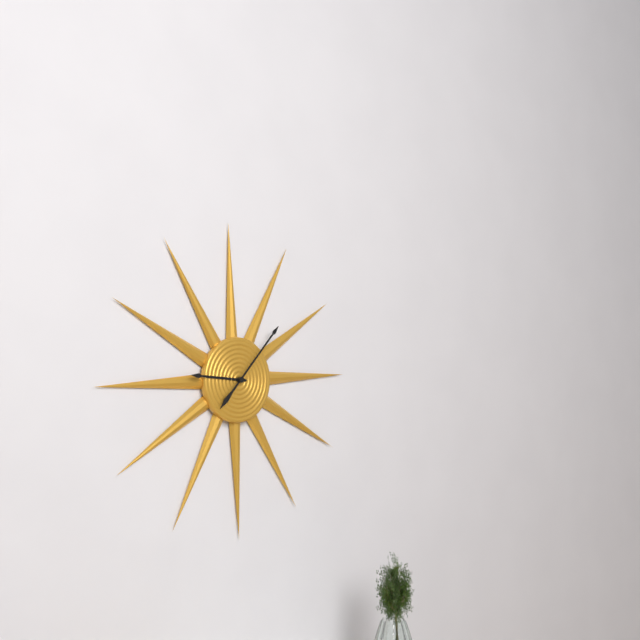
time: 9:07
